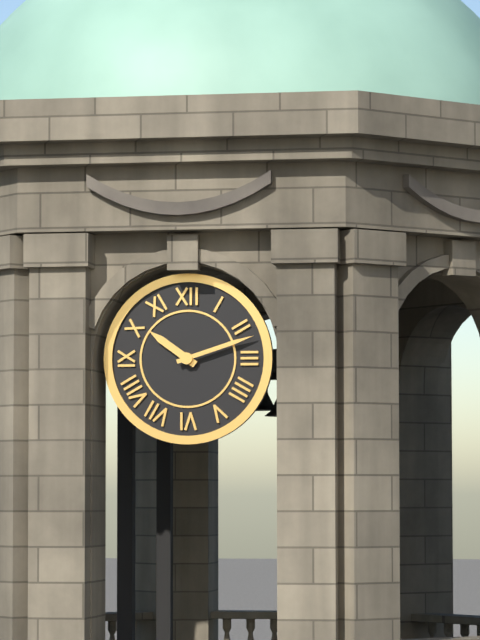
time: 10:12
